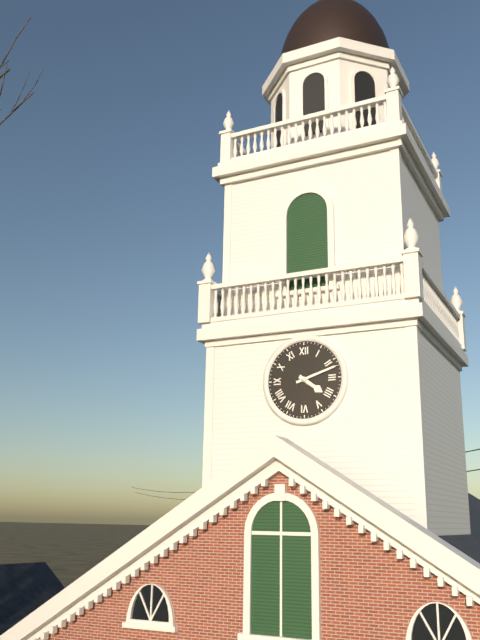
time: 4:12
